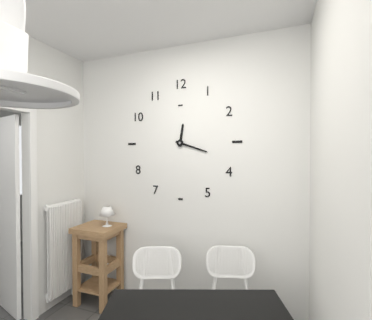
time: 12:18
